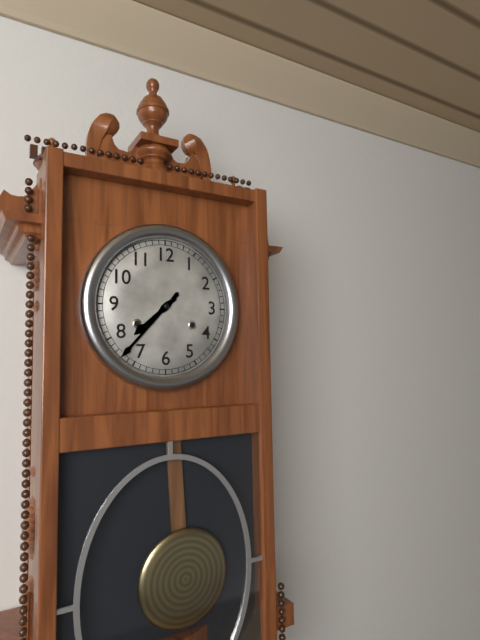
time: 7:37
